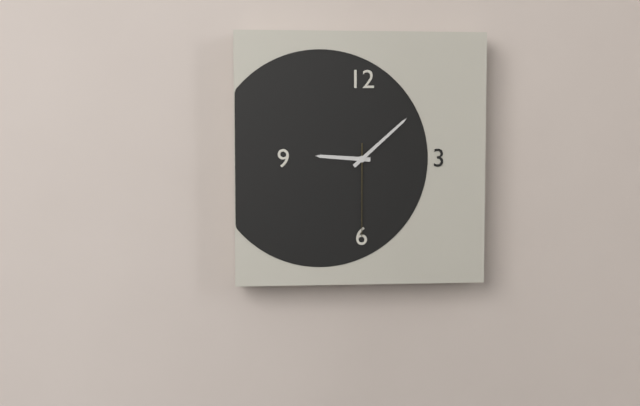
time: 9:08:30
